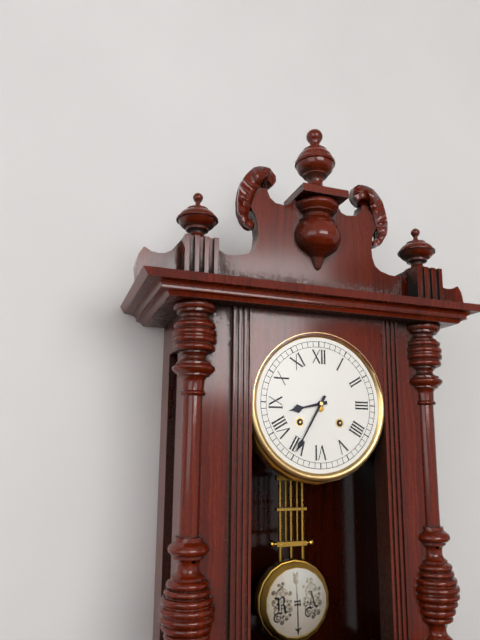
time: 8:35
